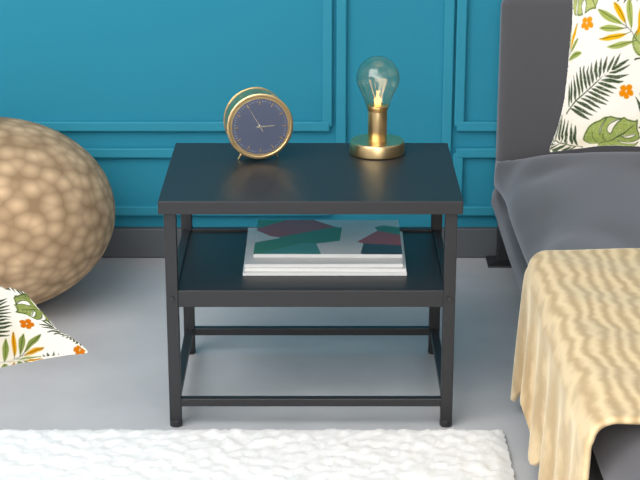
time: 2:55
